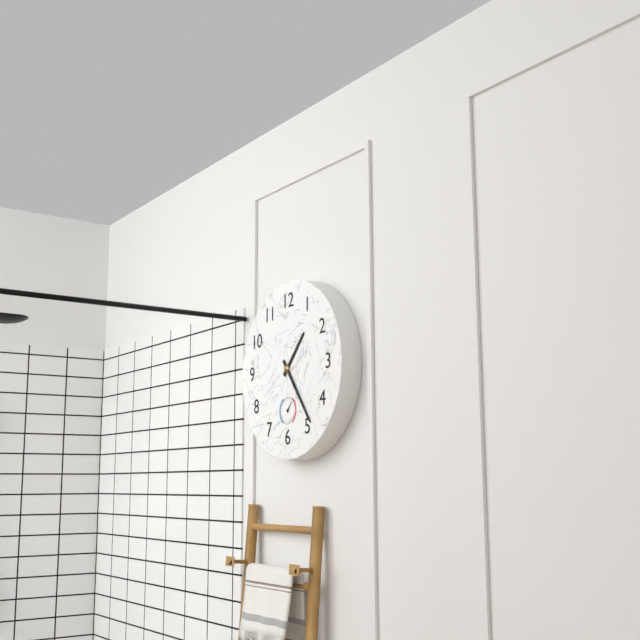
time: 1:24
